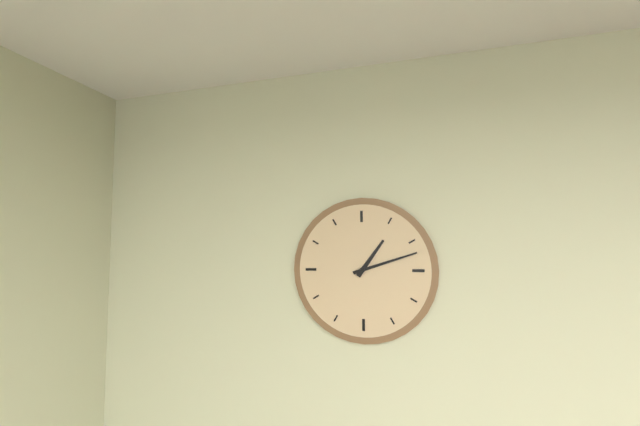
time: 1:12
